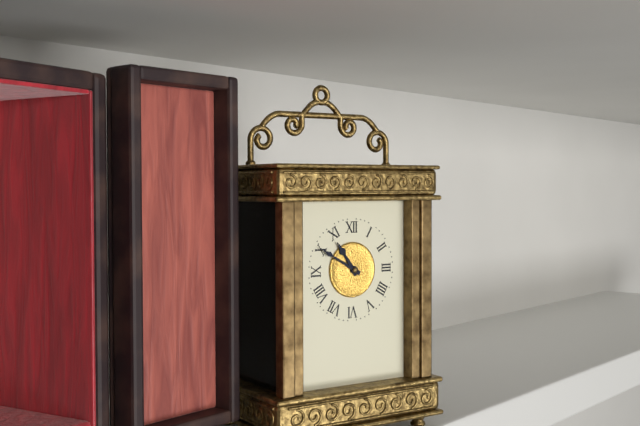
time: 10:50
